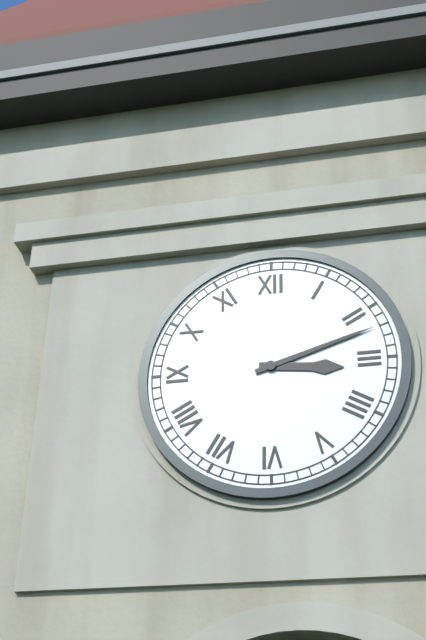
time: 3:12
